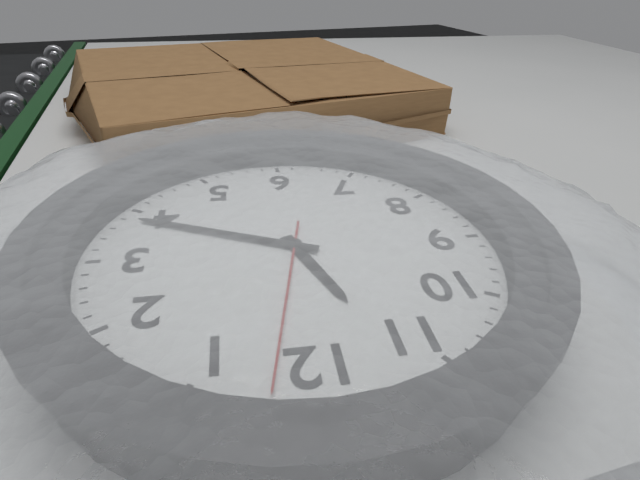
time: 11:19:02
